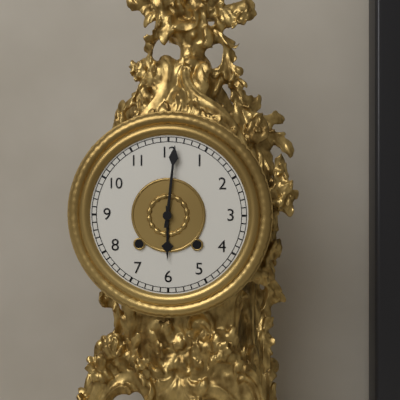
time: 6:01
